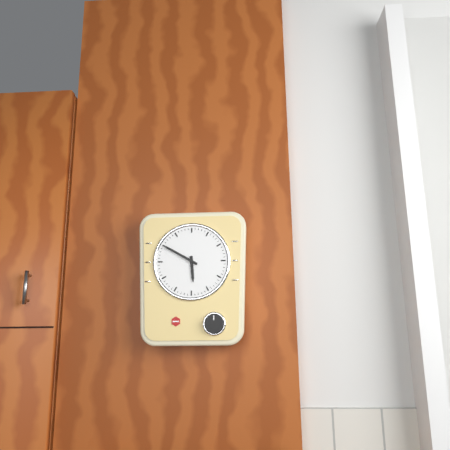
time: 5:50
